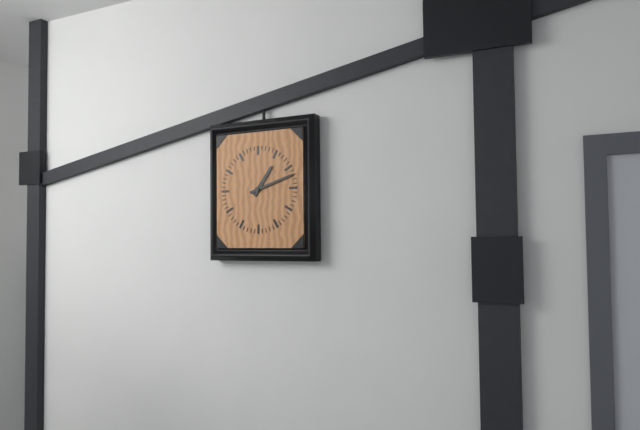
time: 1:12
